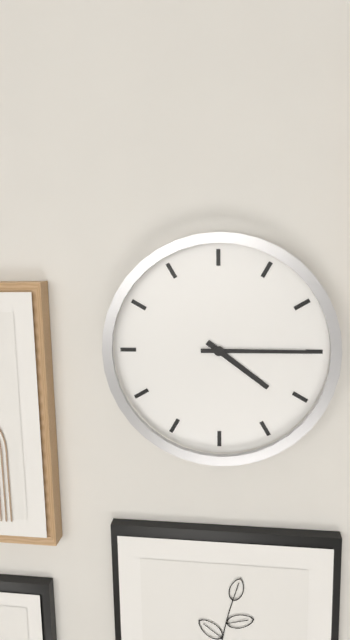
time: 4:15
